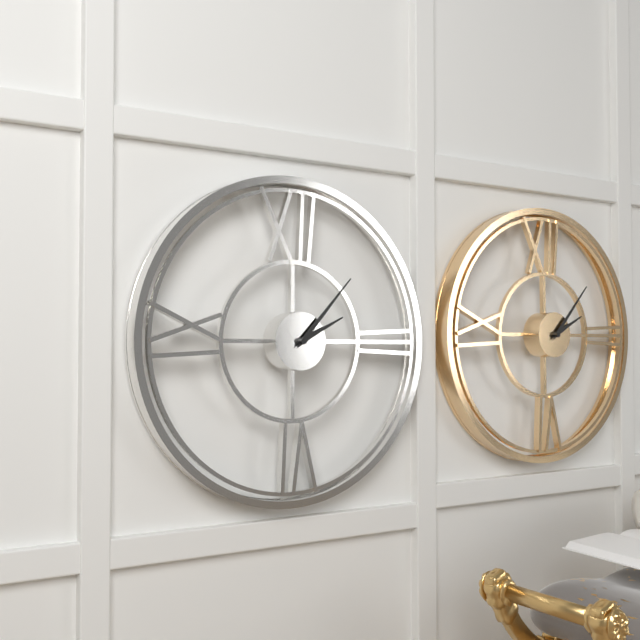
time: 2:07
